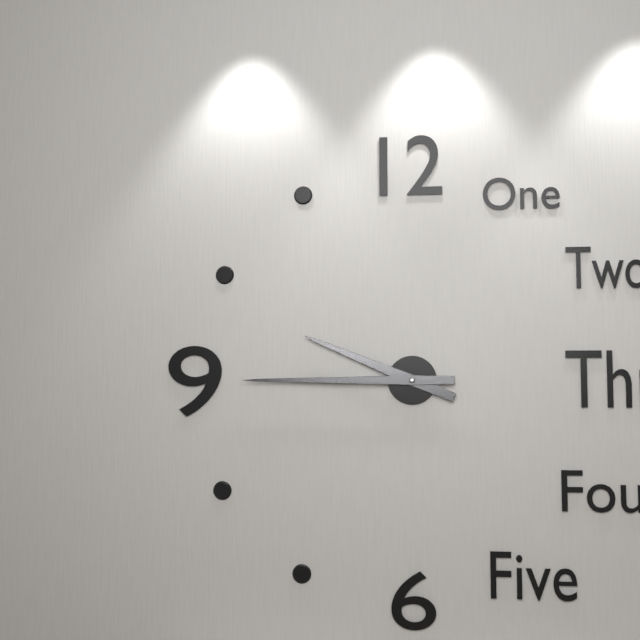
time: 9:45
